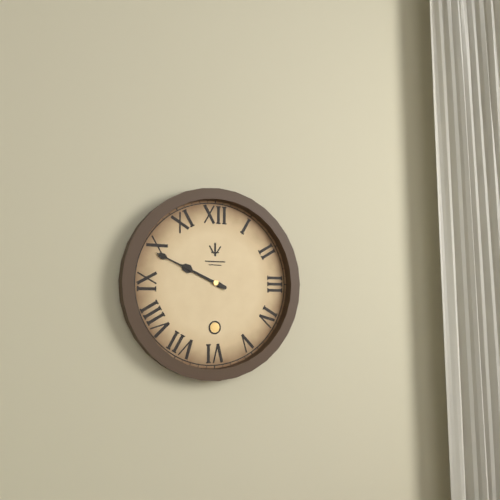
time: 9:49
